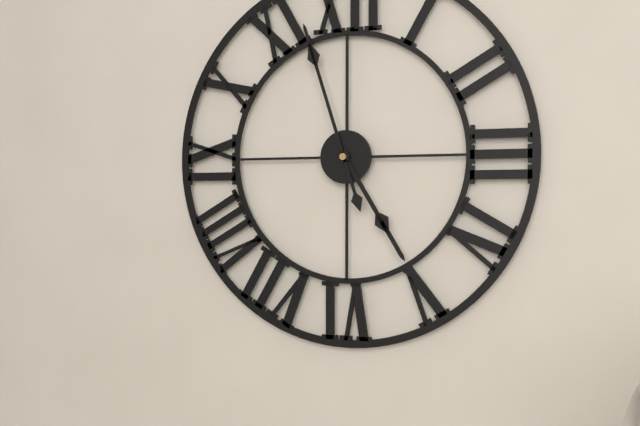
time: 4:57
